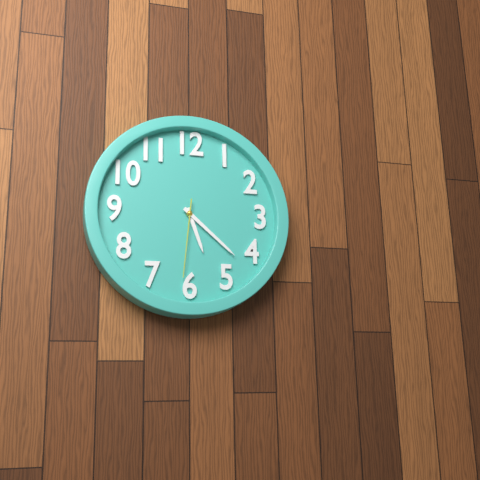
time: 5:22:31
